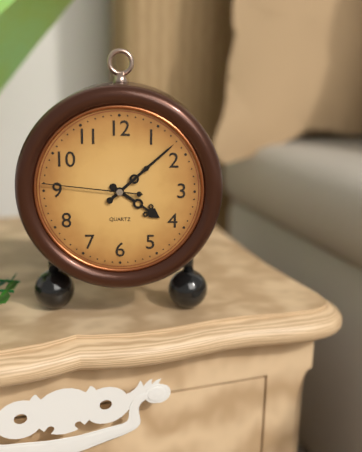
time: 4:08:46
